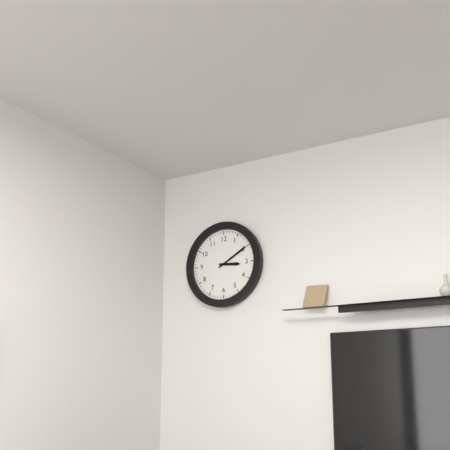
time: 3:10
